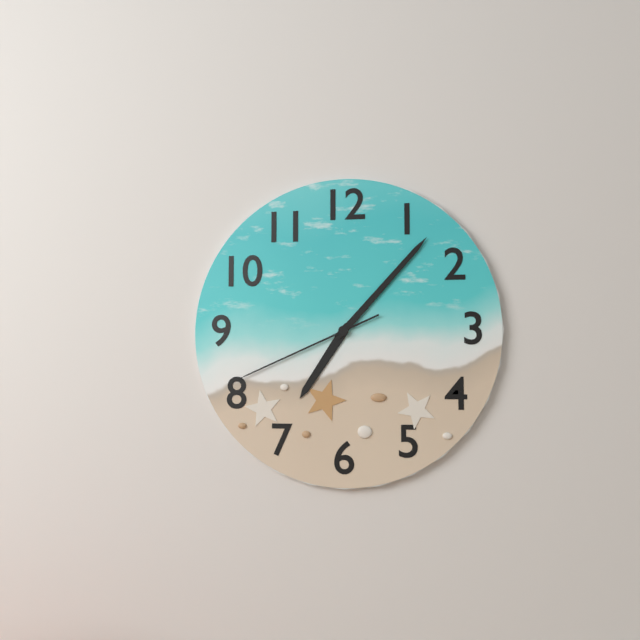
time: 7:07:41
